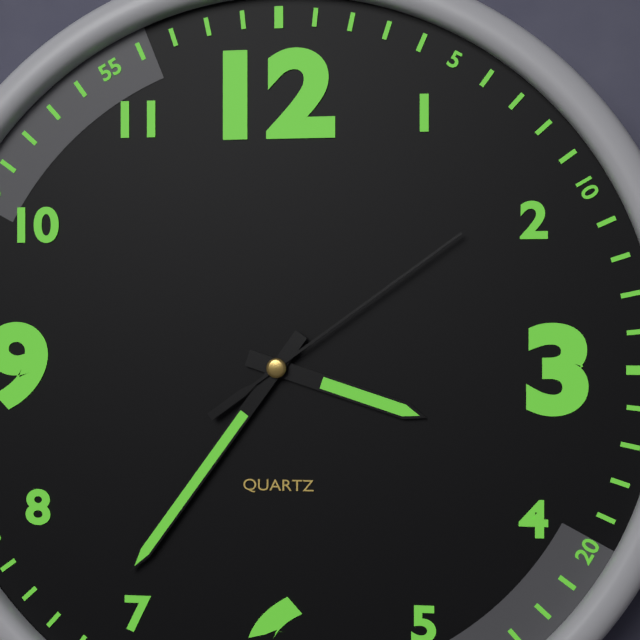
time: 3:36:09
